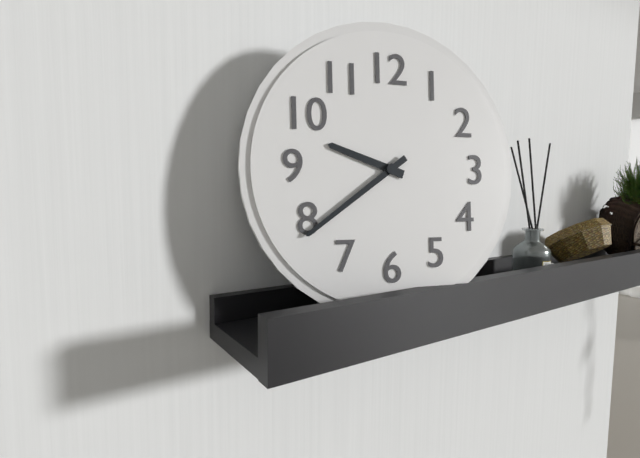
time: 9:39
